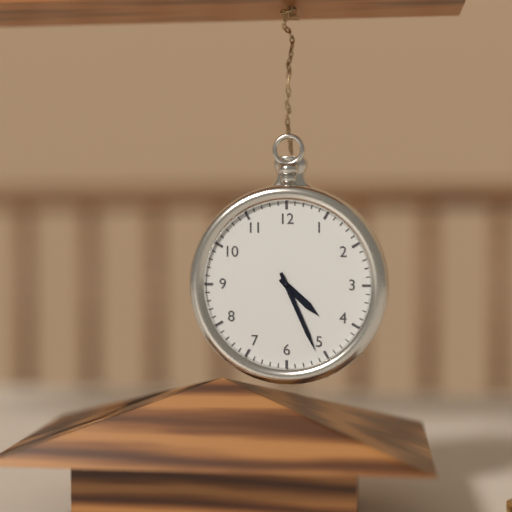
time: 4:26
